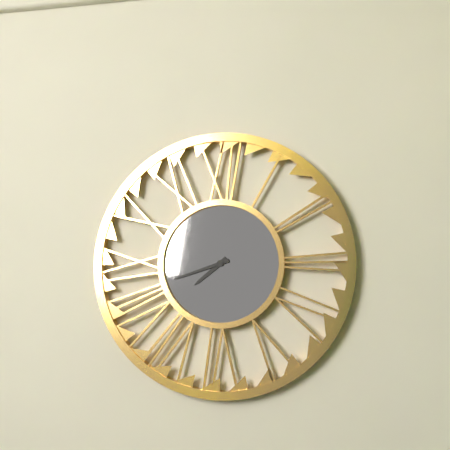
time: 7:42
